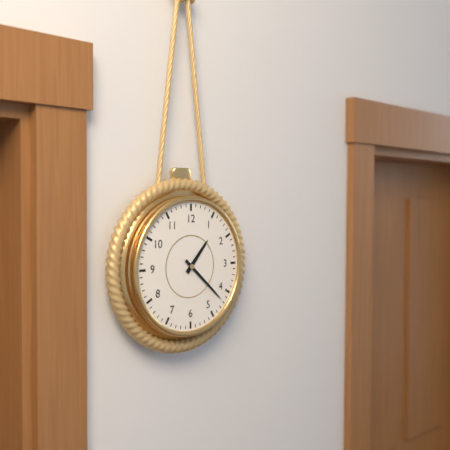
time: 1:22
